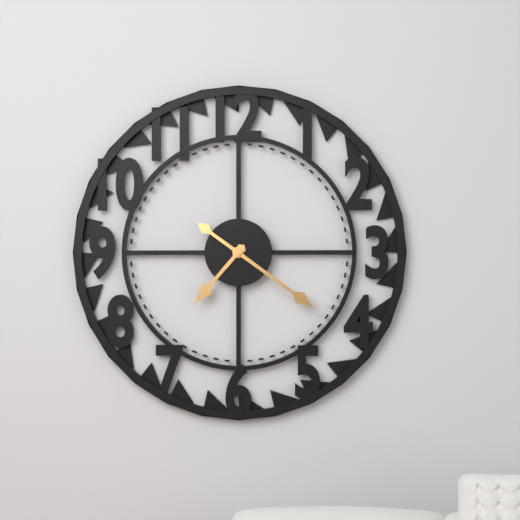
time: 7:21
